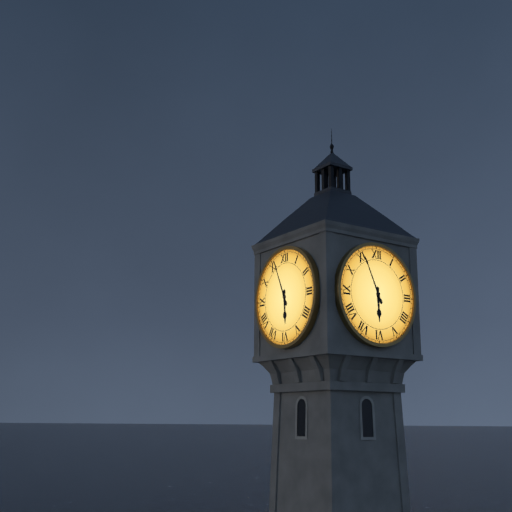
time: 5:56
